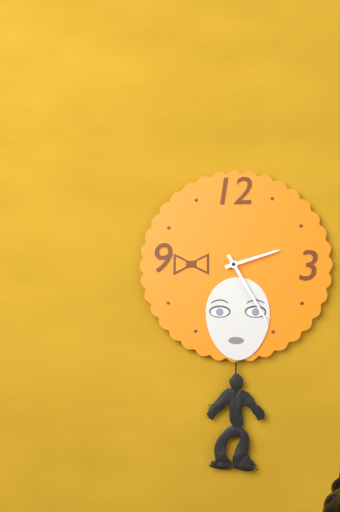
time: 2:25
